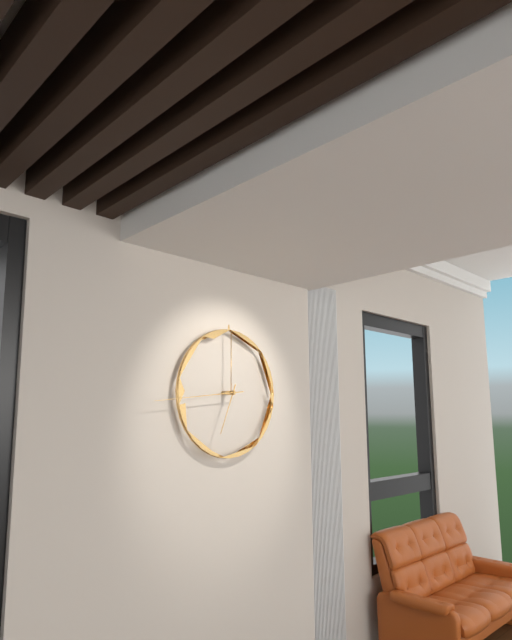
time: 6:44
